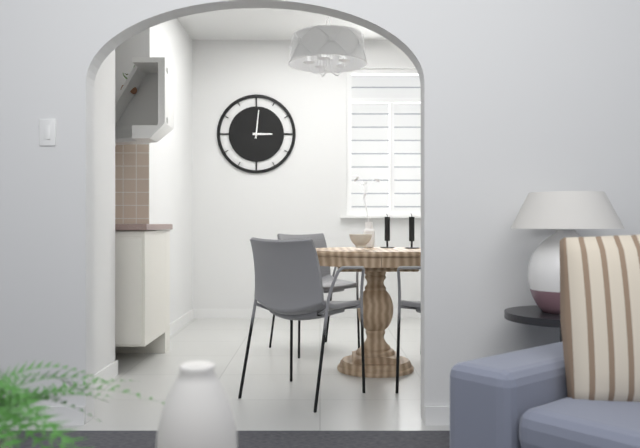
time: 3:01
